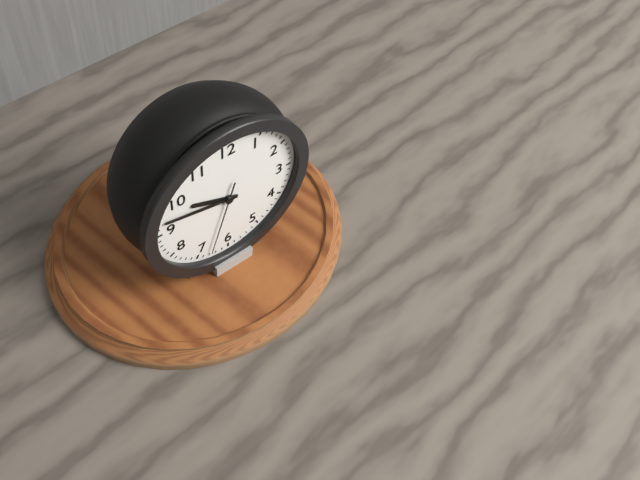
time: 9:47:33
